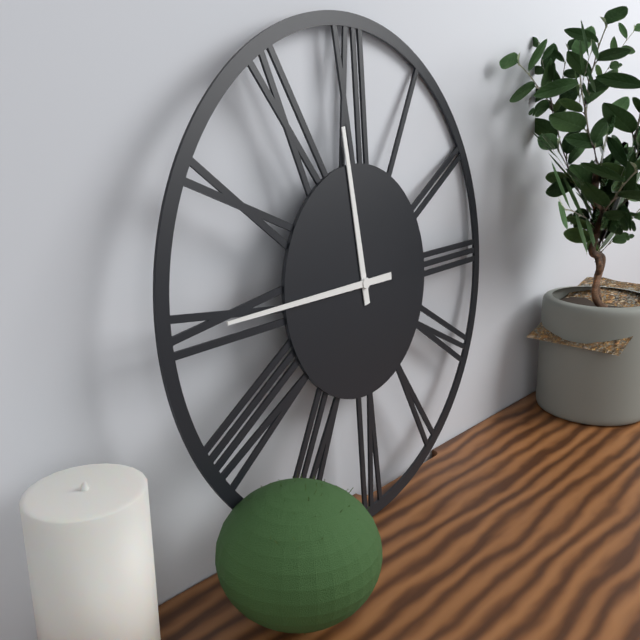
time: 11:45
